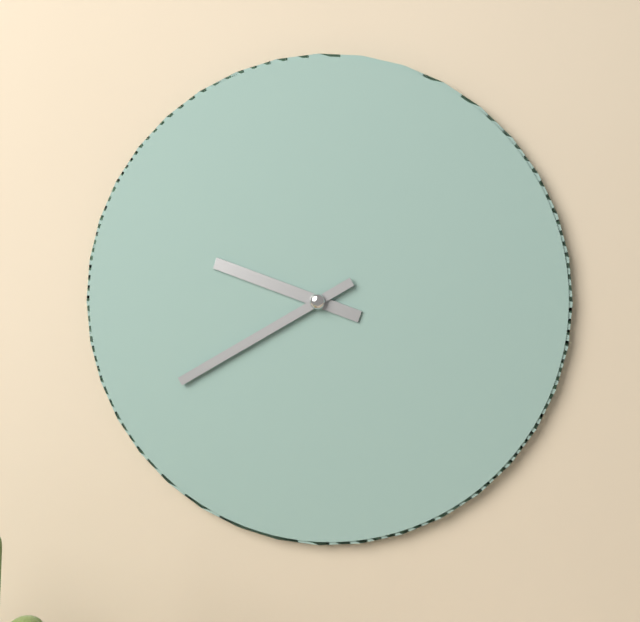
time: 9:40
